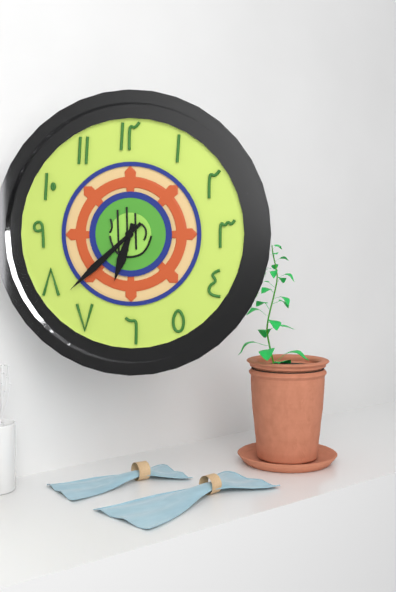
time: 6:38
